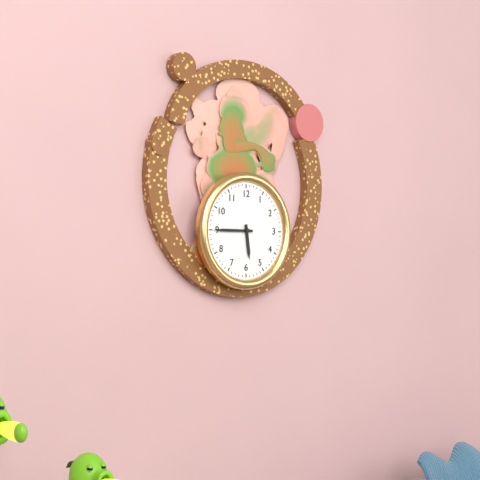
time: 5:45
